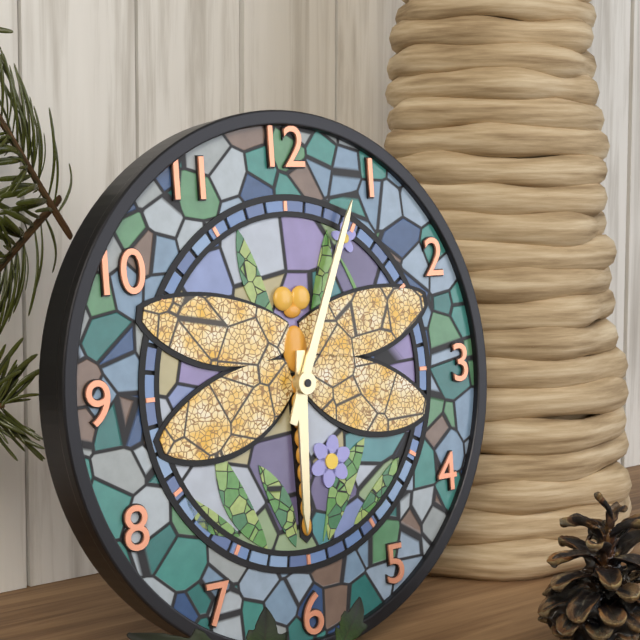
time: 6:04
